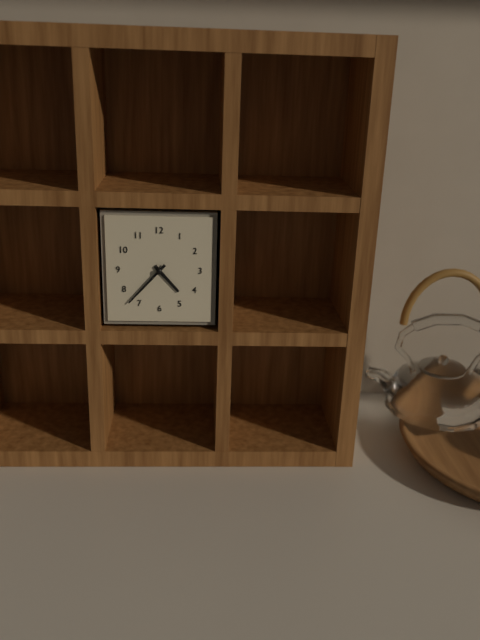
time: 4:37
